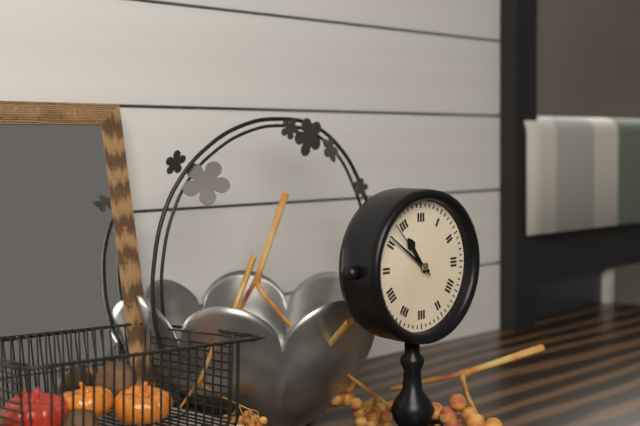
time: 10:51:53
